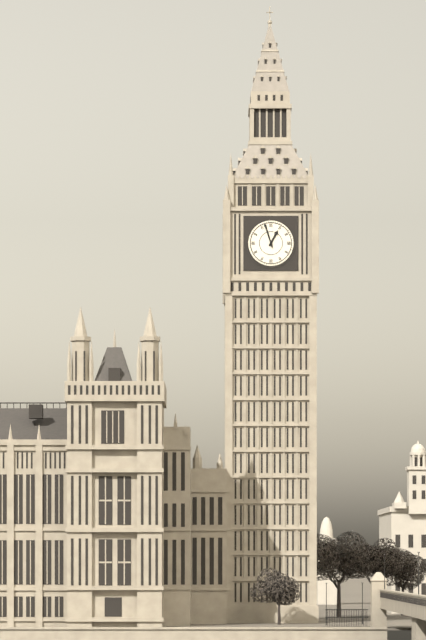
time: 12:57
